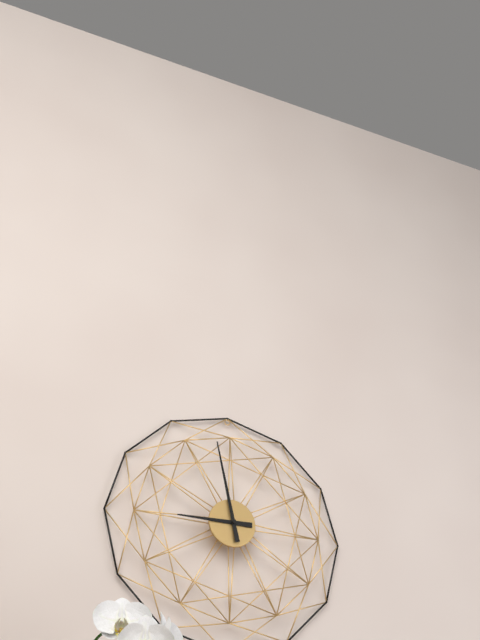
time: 8:58
